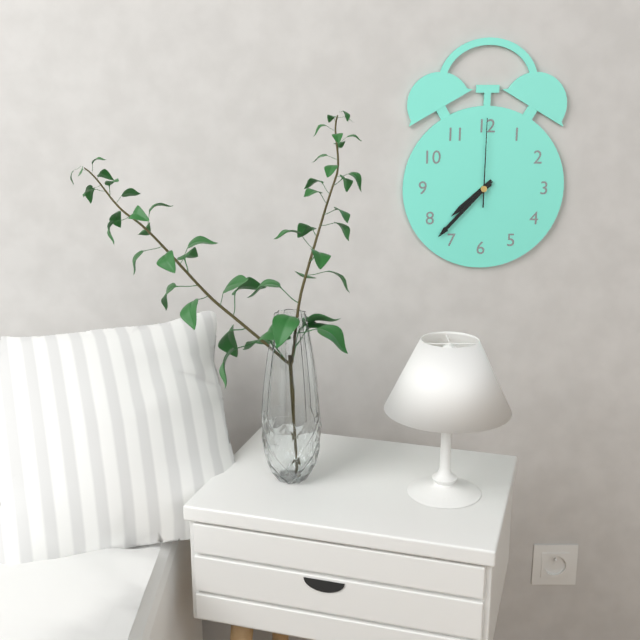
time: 7:37:00
